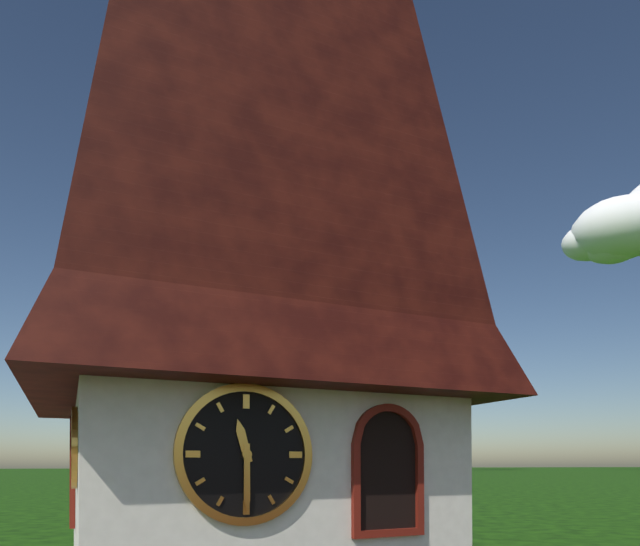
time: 11:30
